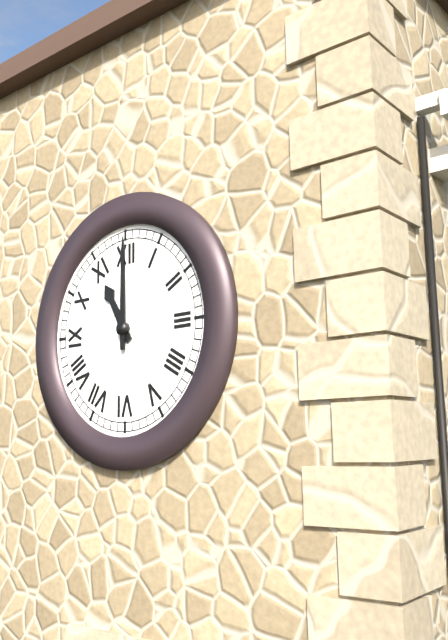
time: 11:00
